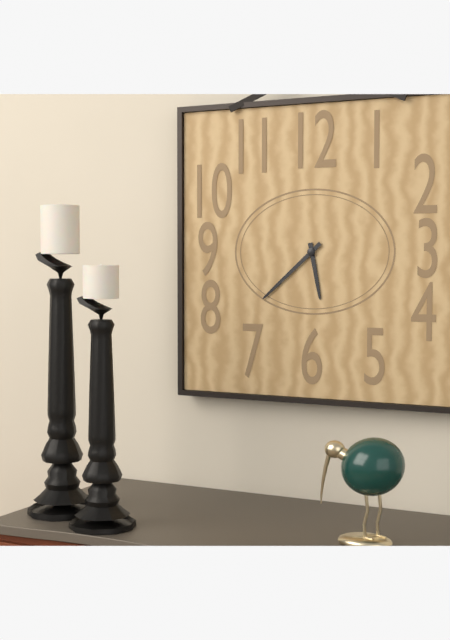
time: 5:38
